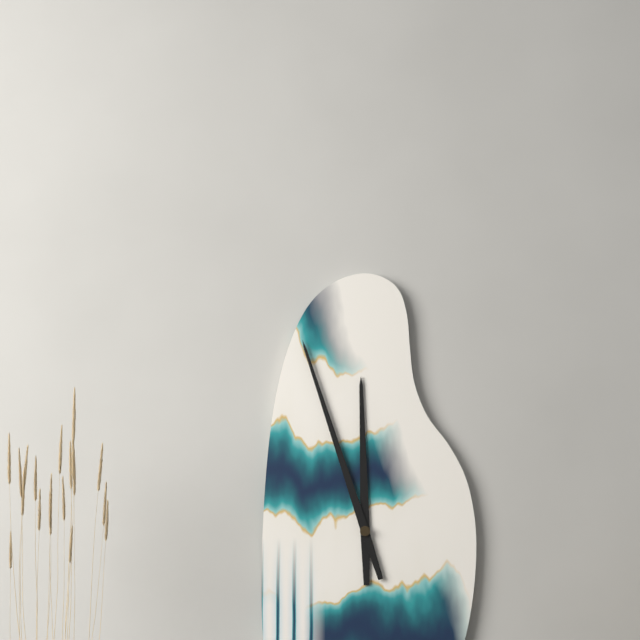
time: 11:57
